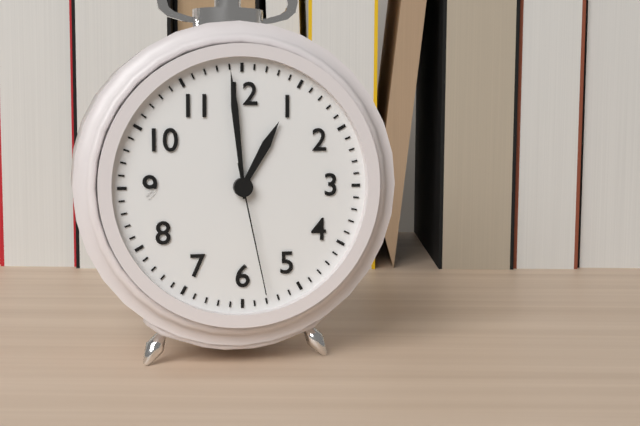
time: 12:59:28
